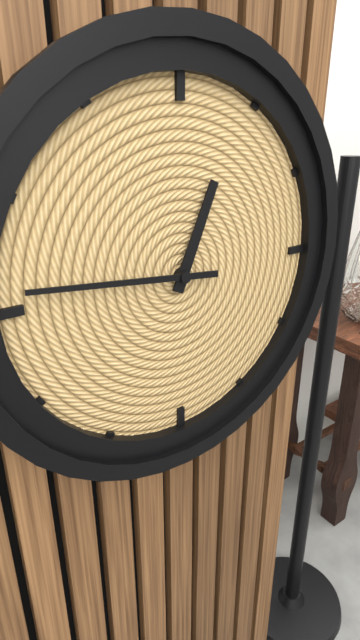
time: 12:46
